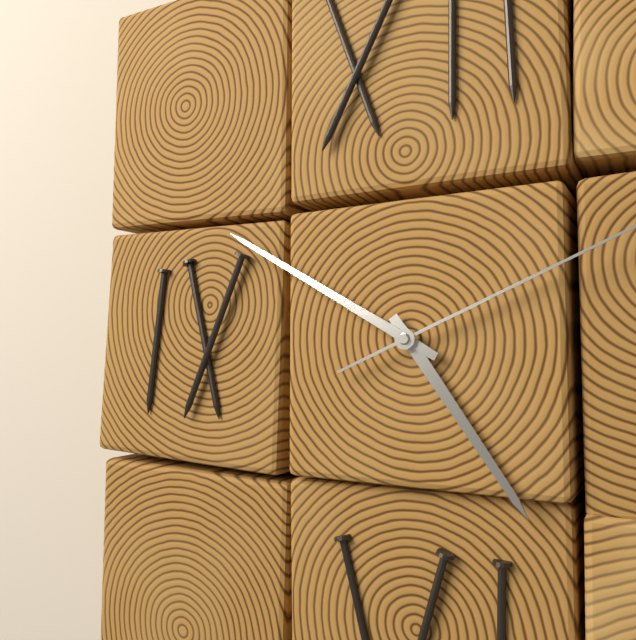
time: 4:50
